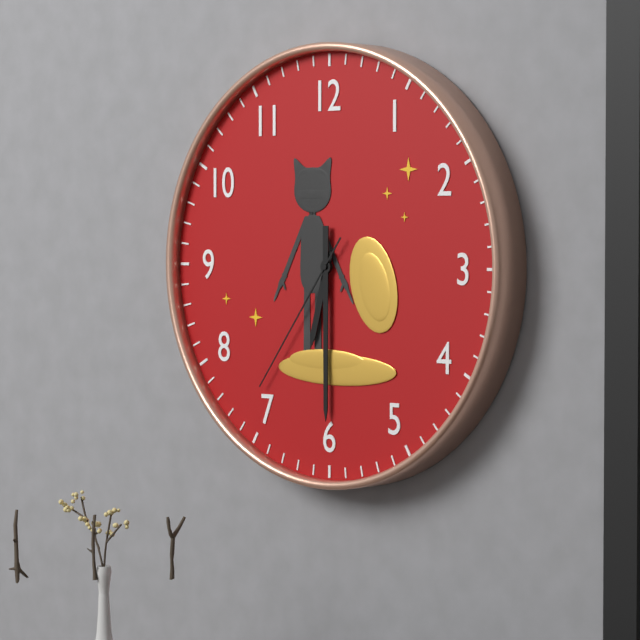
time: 6:30:36
